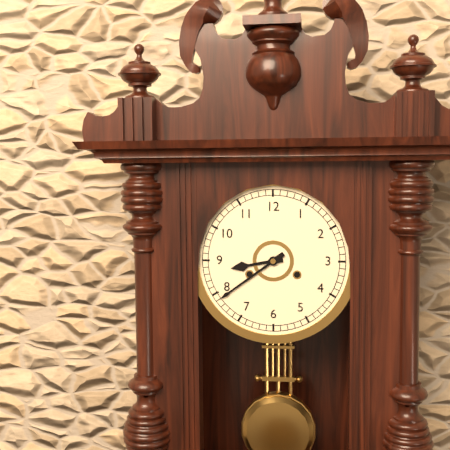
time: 8:39
